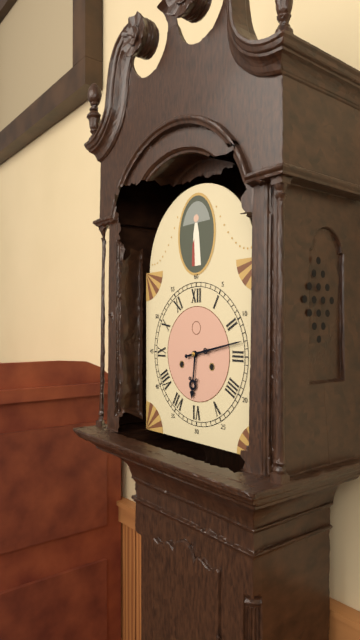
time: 6:13
